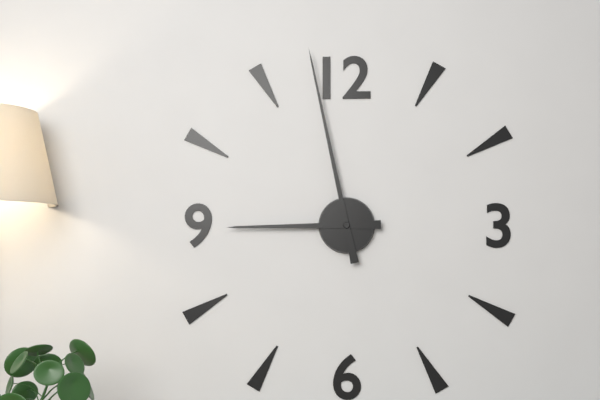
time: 8:58
